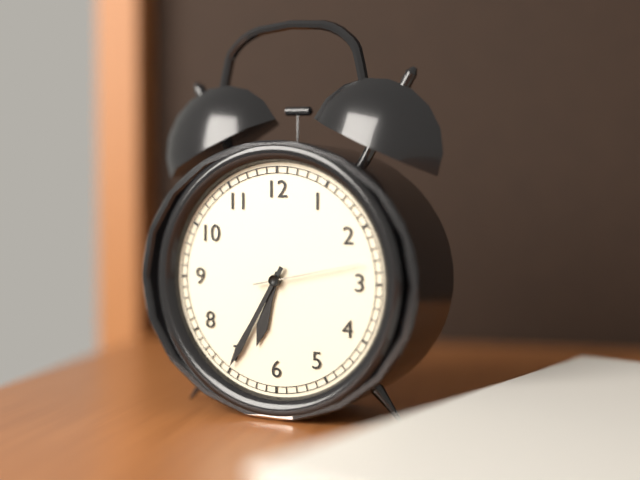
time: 6:35:13
